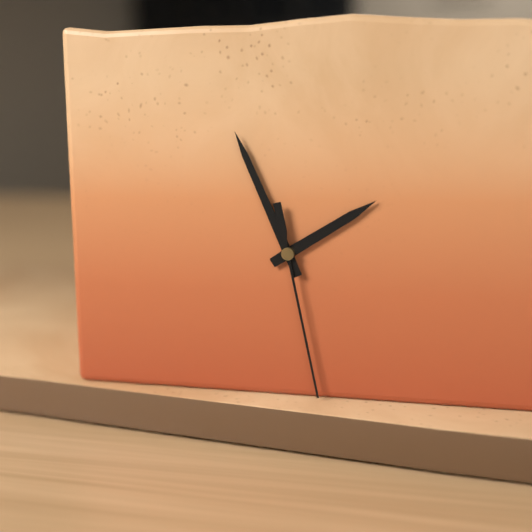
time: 1:56:28
